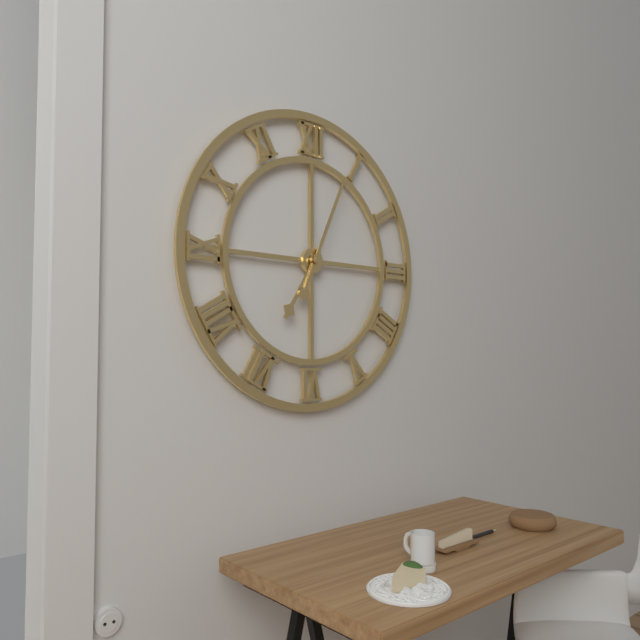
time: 7:04
